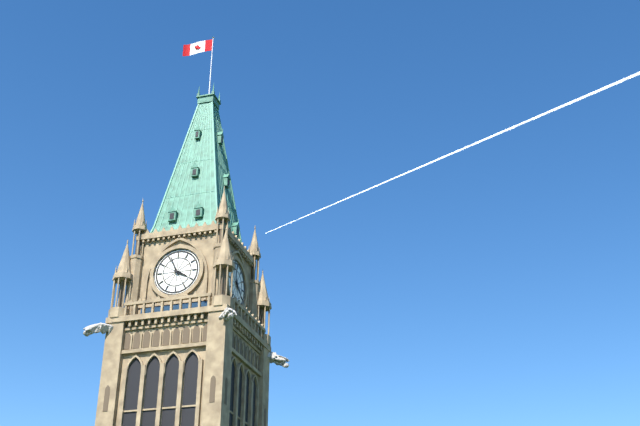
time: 3:56
